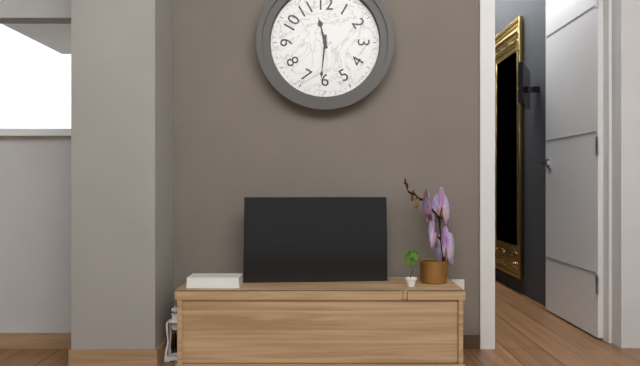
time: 11:31
